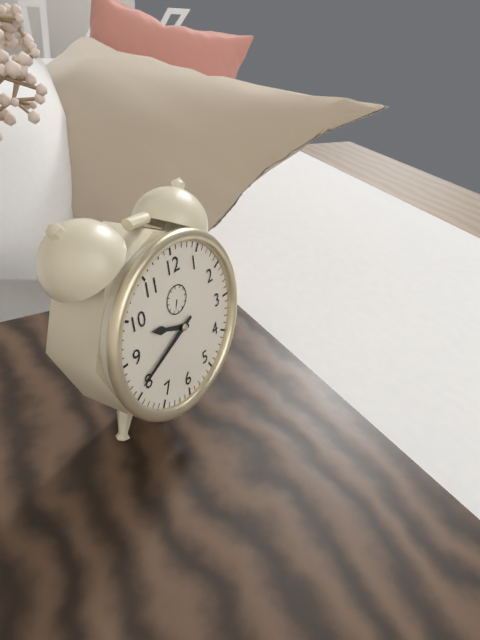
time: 9:41
